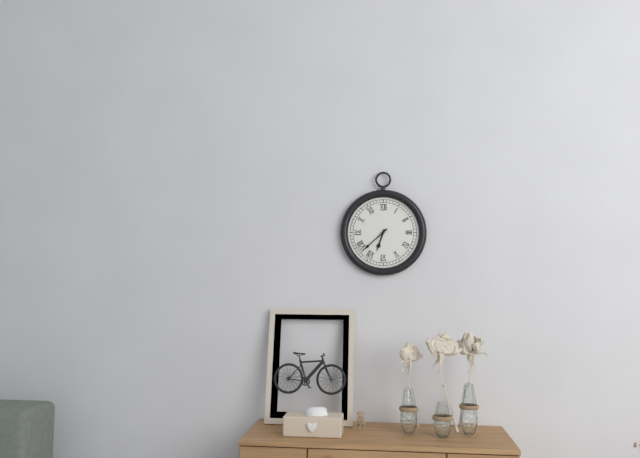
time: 6:38
